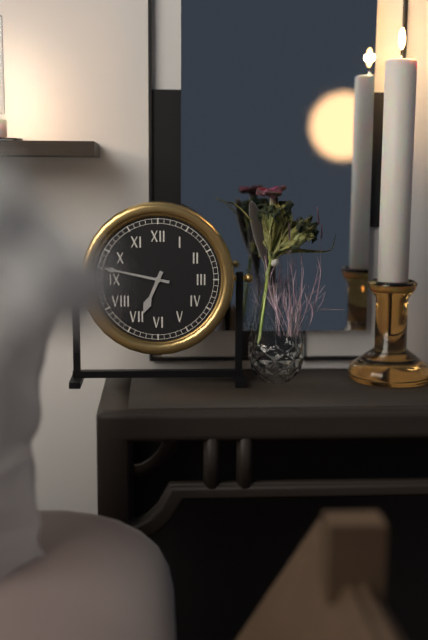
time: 6:47
